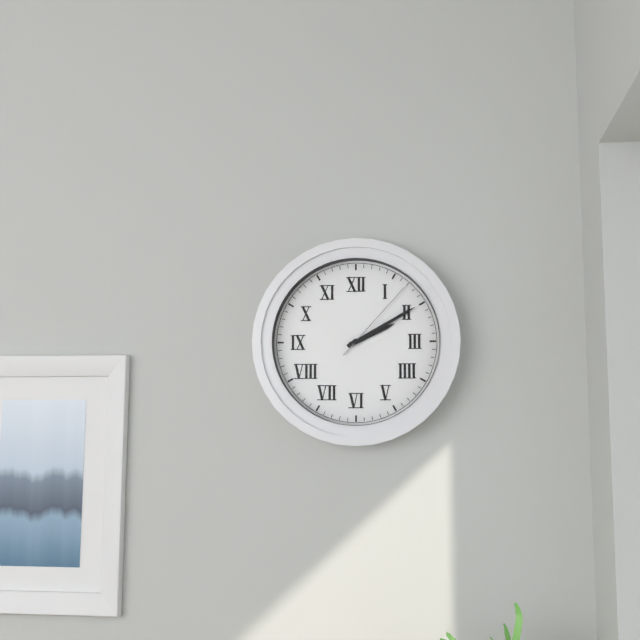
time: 2:10:07
